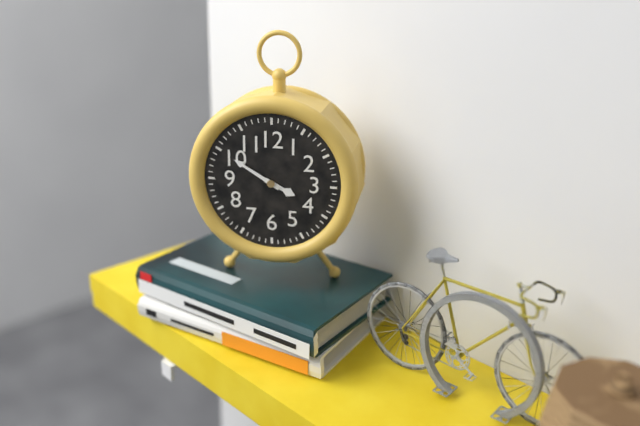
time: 3:50
